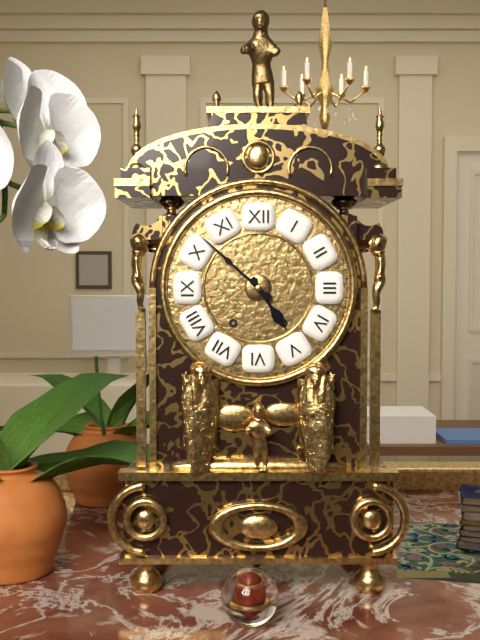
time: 4:52
